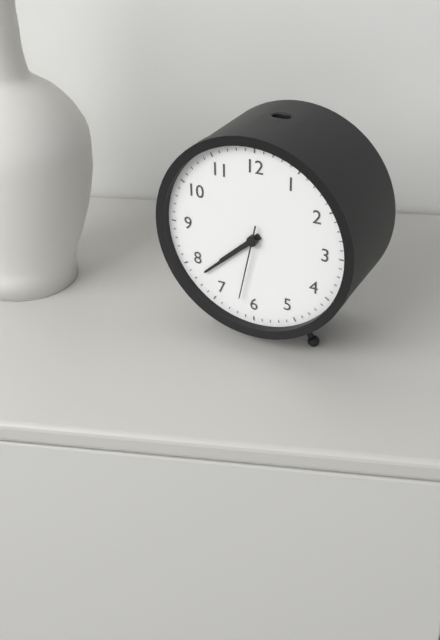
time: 7:38:32
